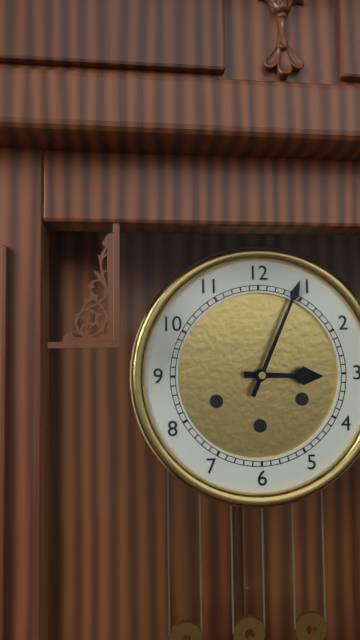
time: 3:04
